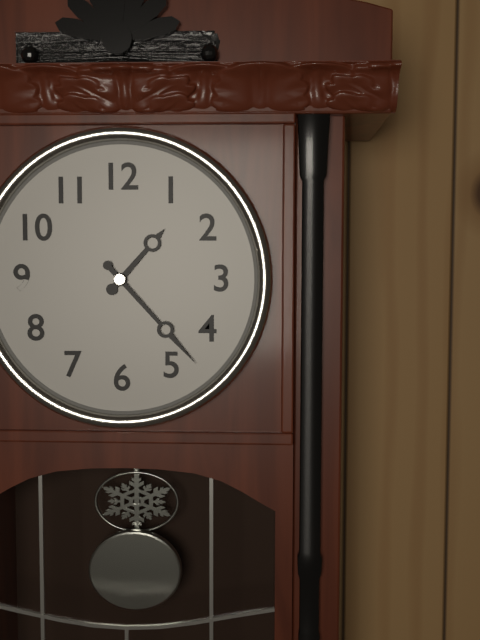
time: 1:23
